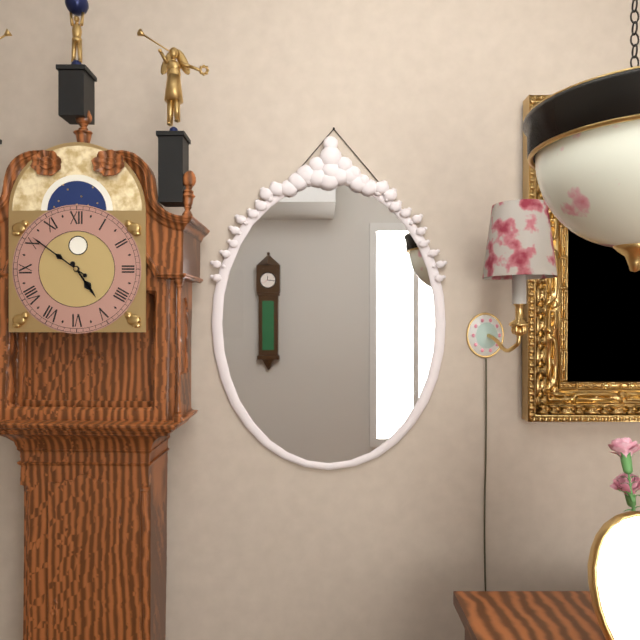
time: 4:51
